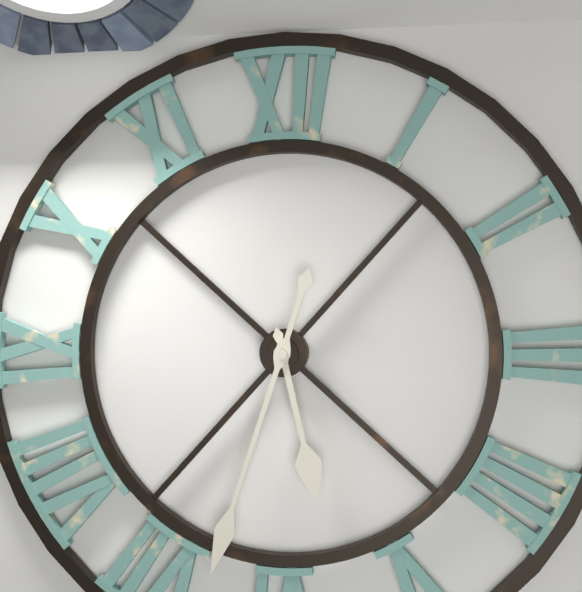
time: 5:33
